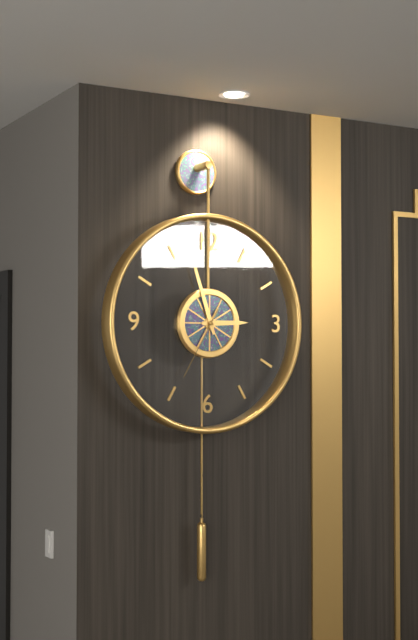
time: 2:57:35
